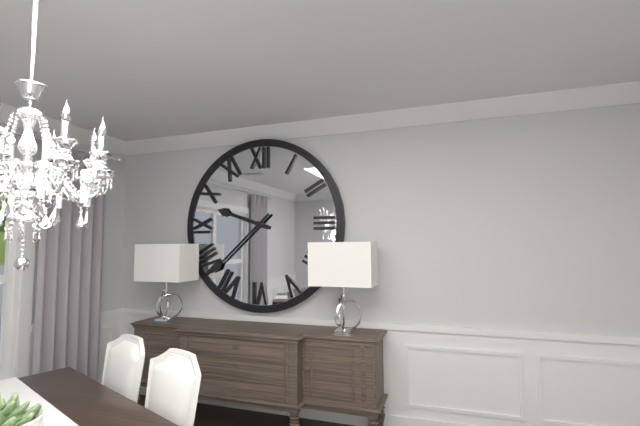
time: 9:38
